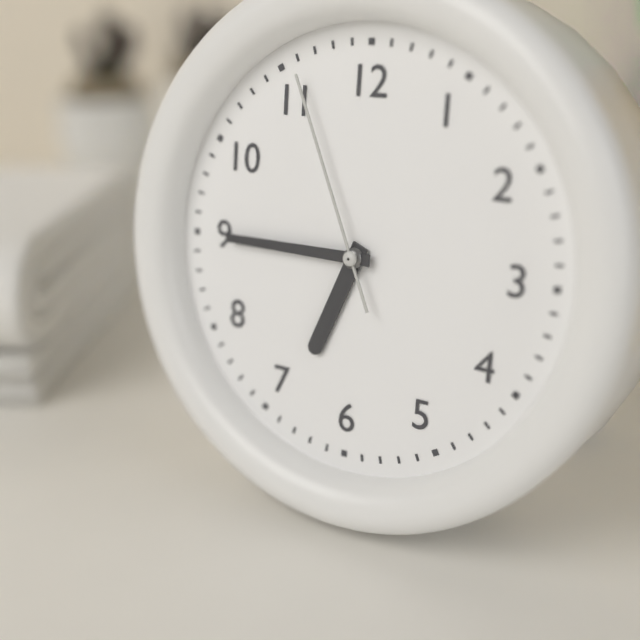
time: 6:45:56
